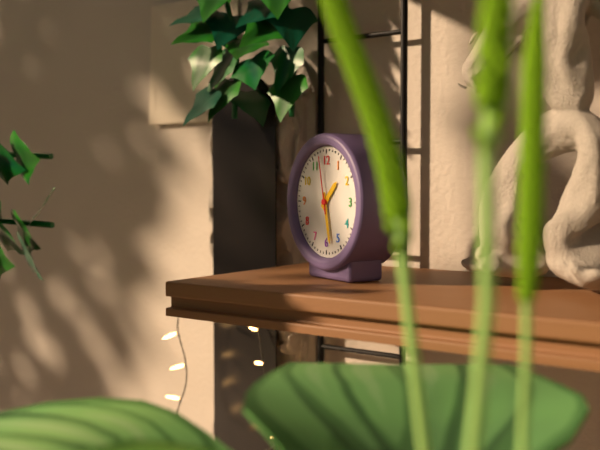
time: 1:28:58
